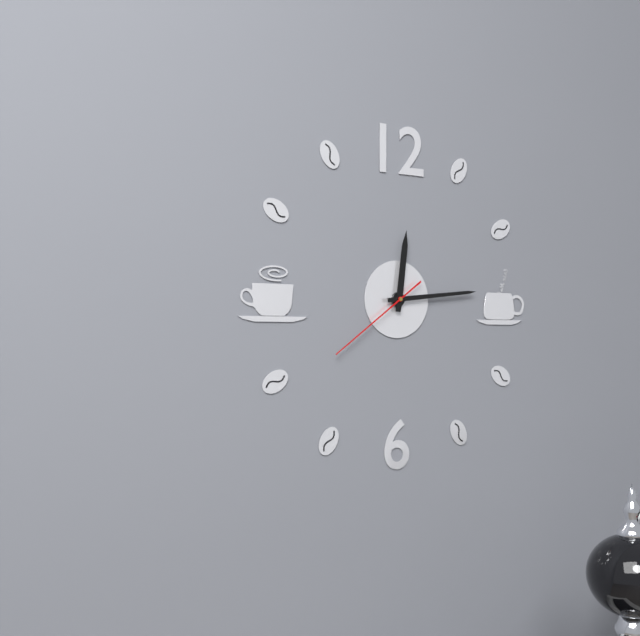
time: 12:14:39
